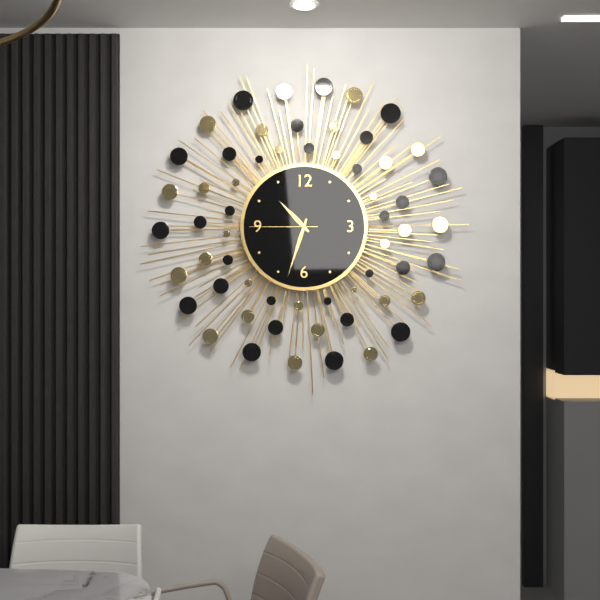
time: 10:33:45
